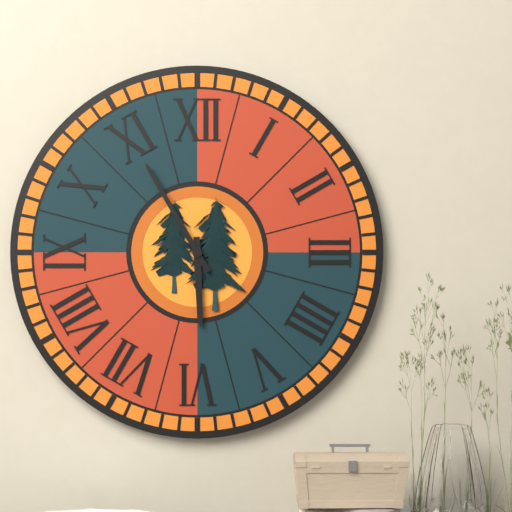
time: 5:55
